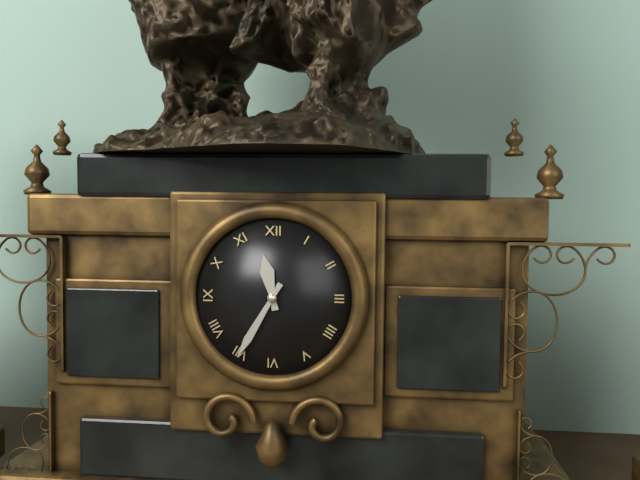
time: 11:35
